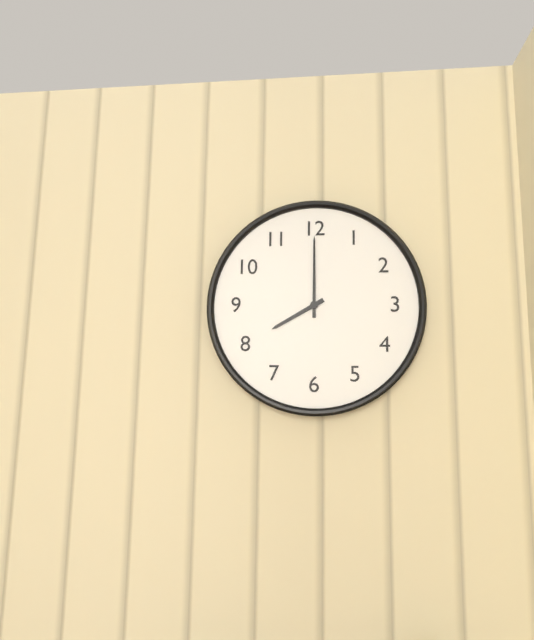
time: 8:00
